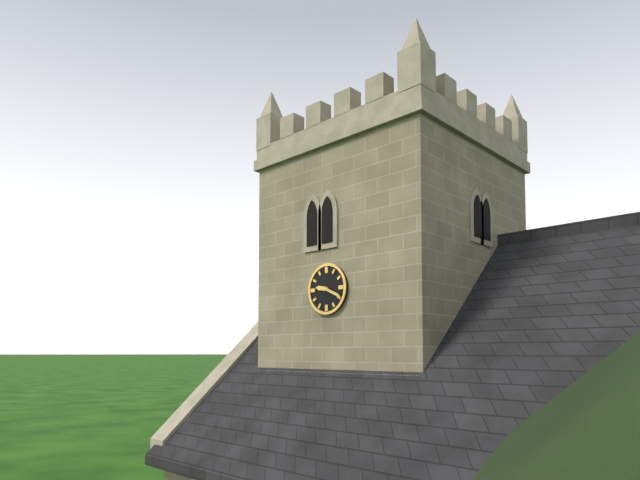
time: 9:19
